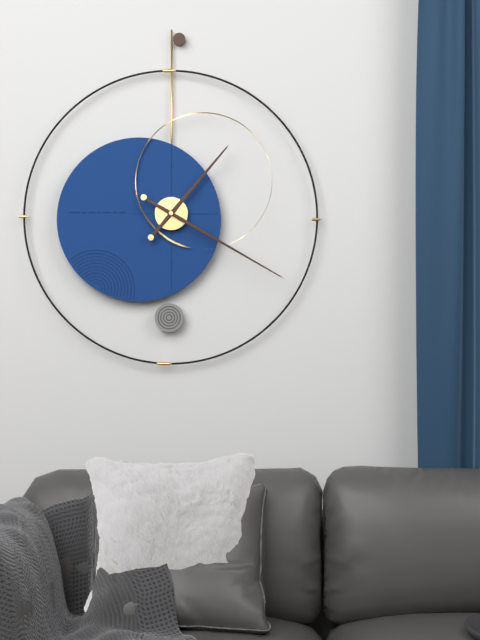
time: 1:20
